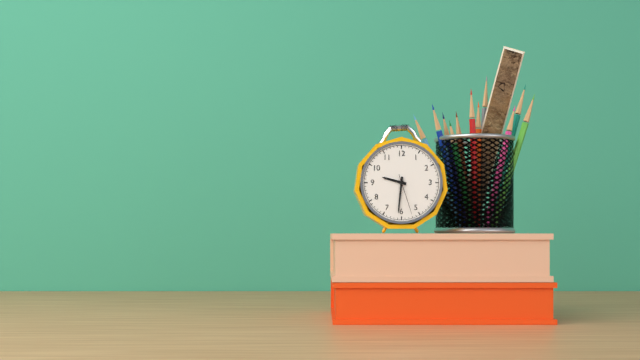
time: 9:31
